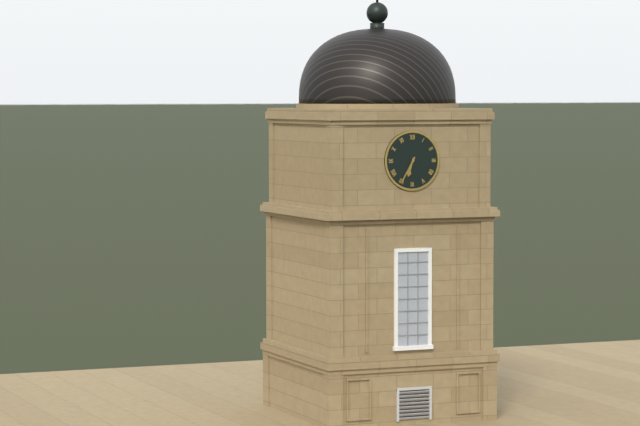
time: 6:35
